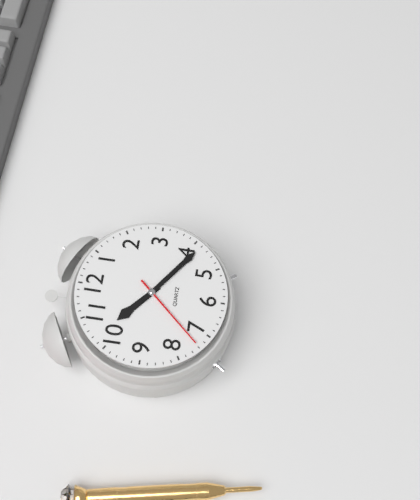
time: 10:21:37
